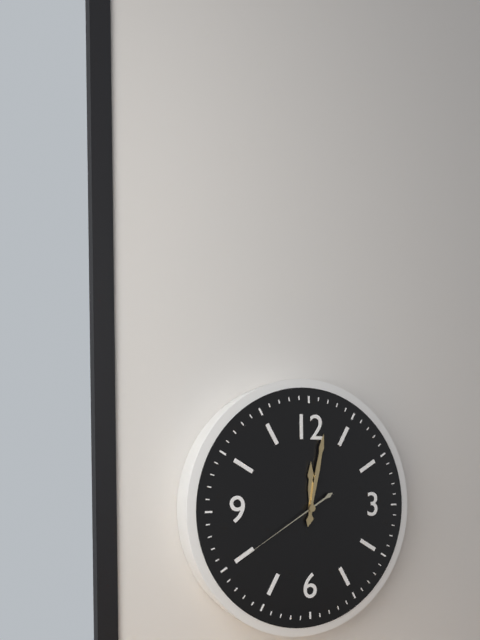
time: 12:02:40
